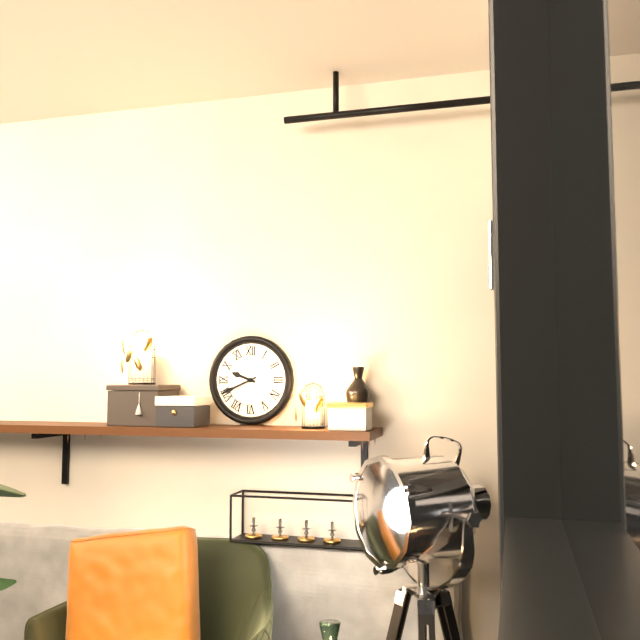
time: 9:41
